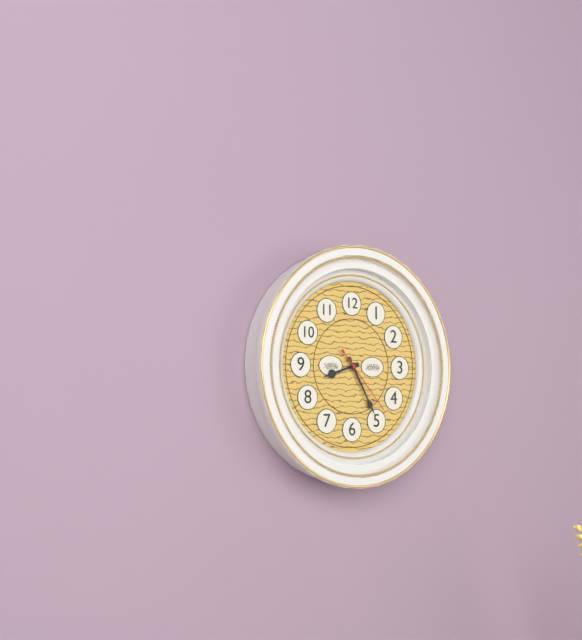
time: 8:25:23
